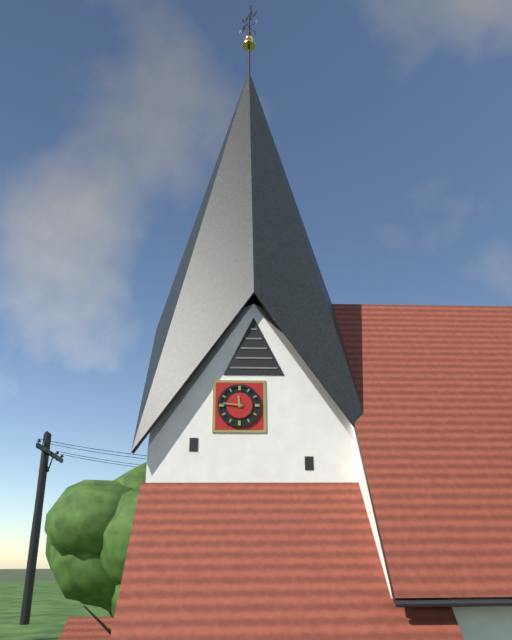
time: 11:46
